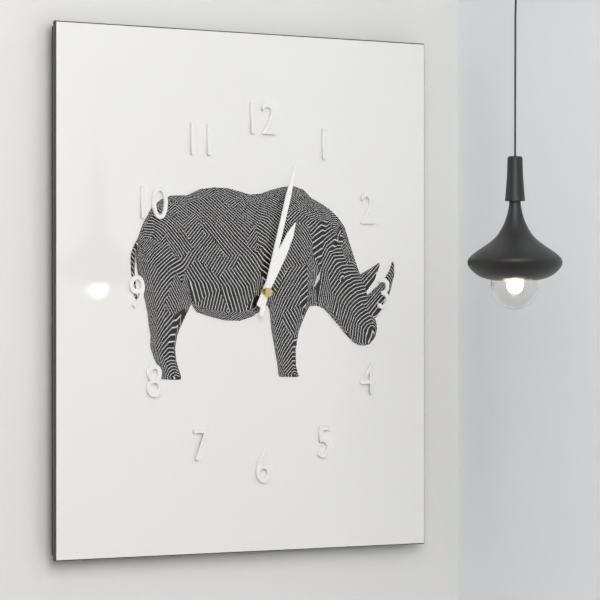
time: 1:03
